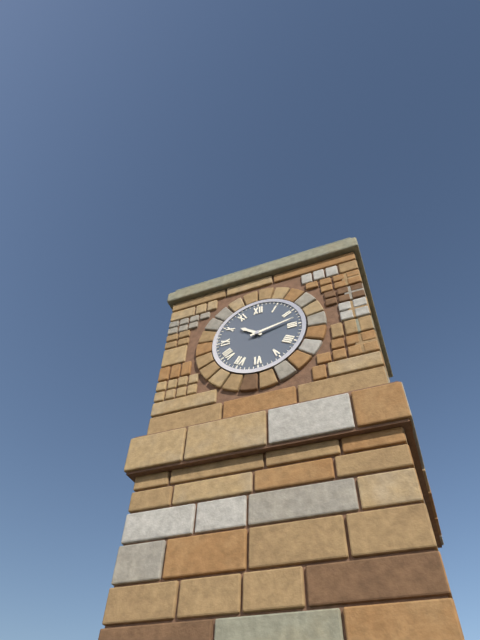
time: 10:13
